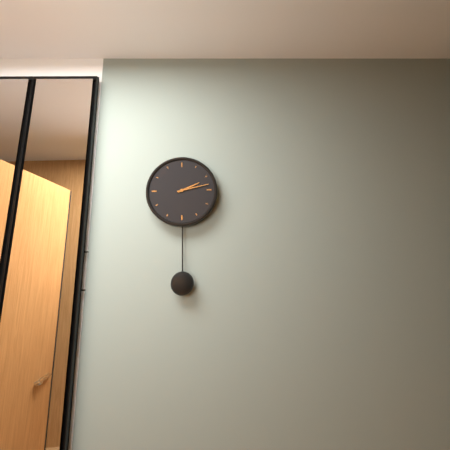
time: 2:13
